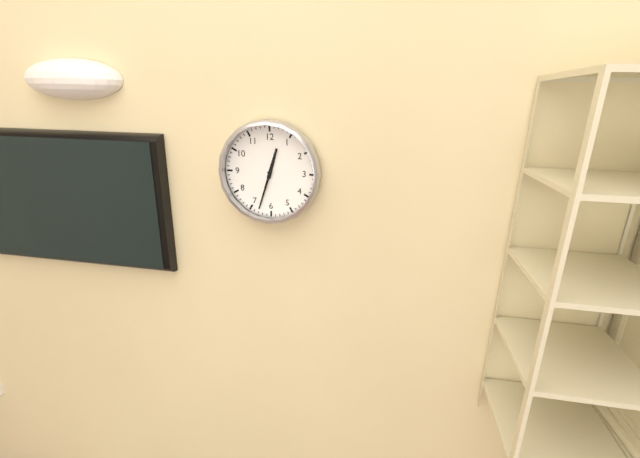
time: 12:33
